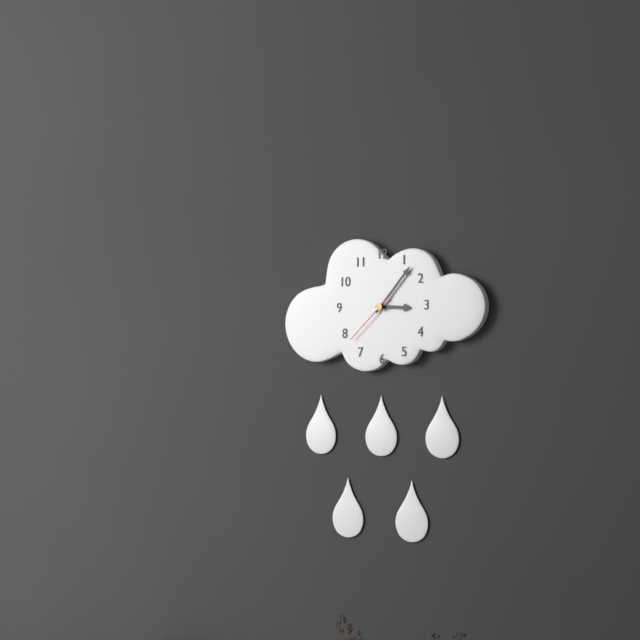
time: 3:07:38
